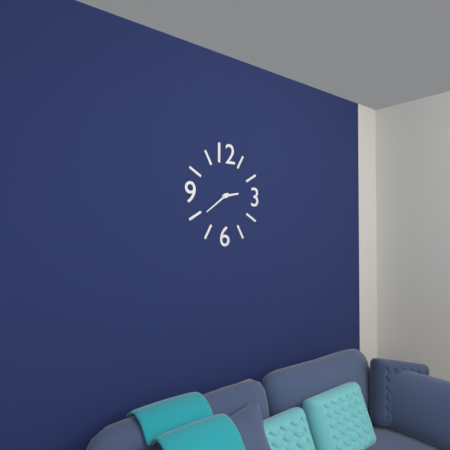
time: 2:39
